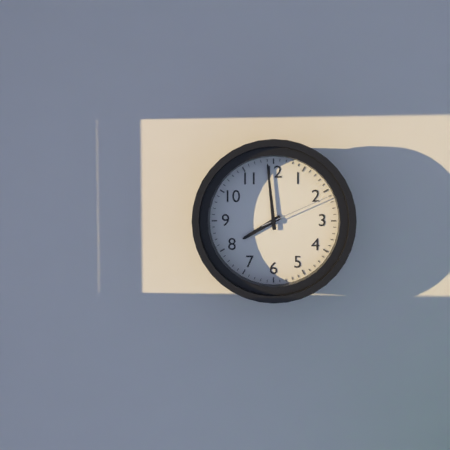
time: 7:59:11
